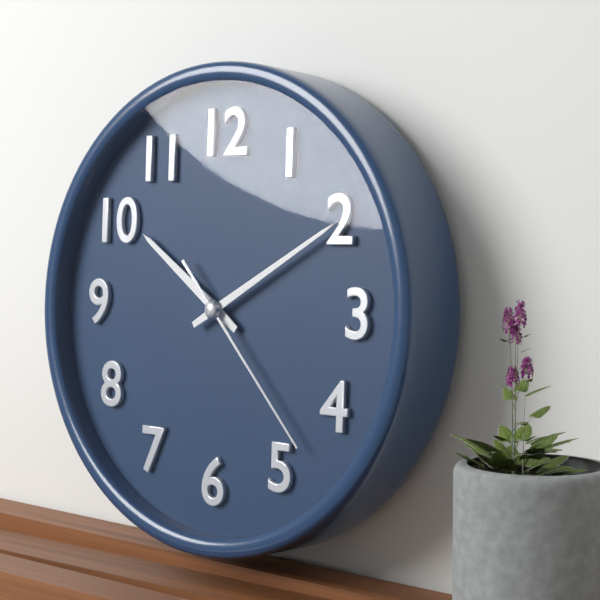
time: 10:10:23
